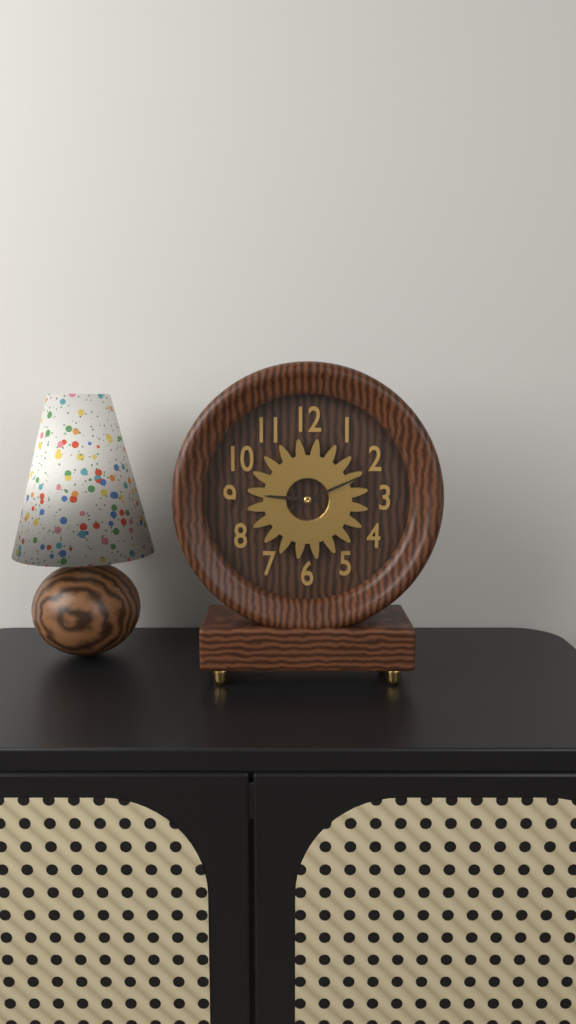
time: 9:11
